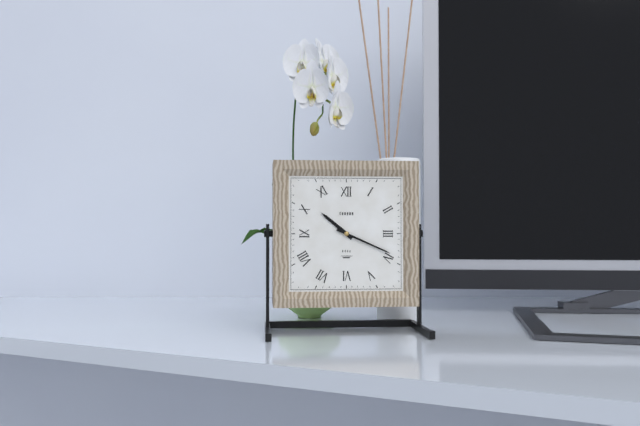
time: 10:19
